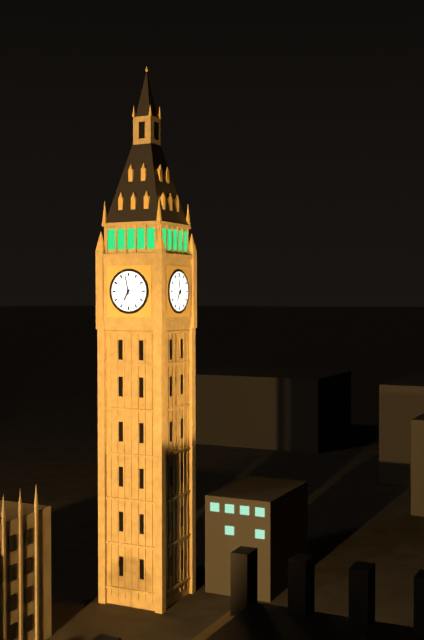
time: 6:58
